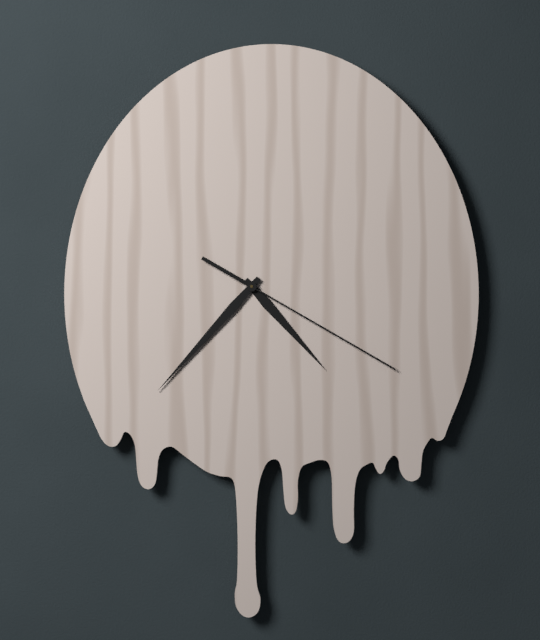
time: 4:37:20
